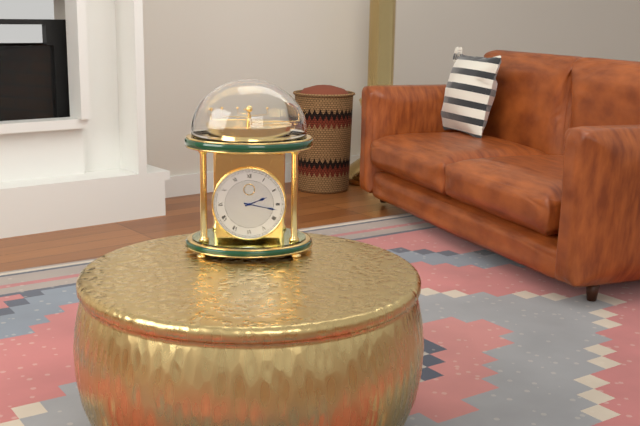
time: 2:17
